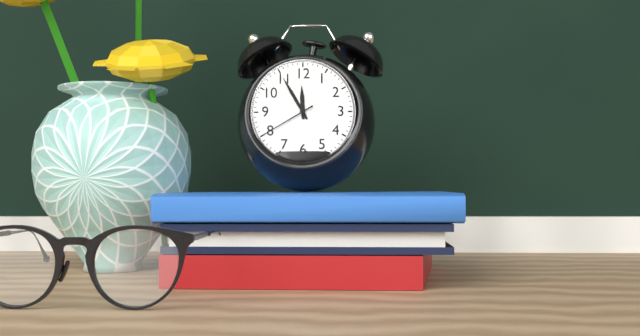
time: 11:55:40
